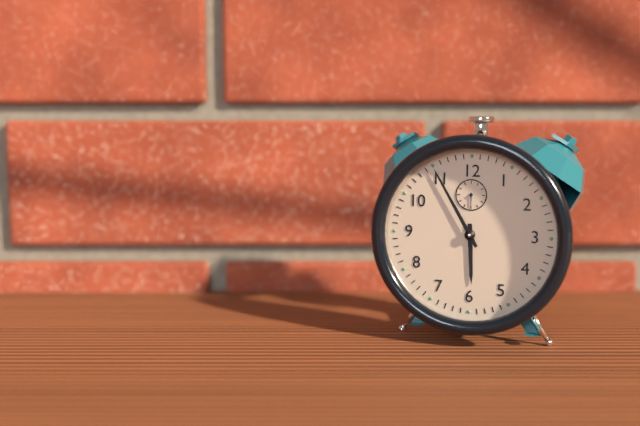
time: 5:55
